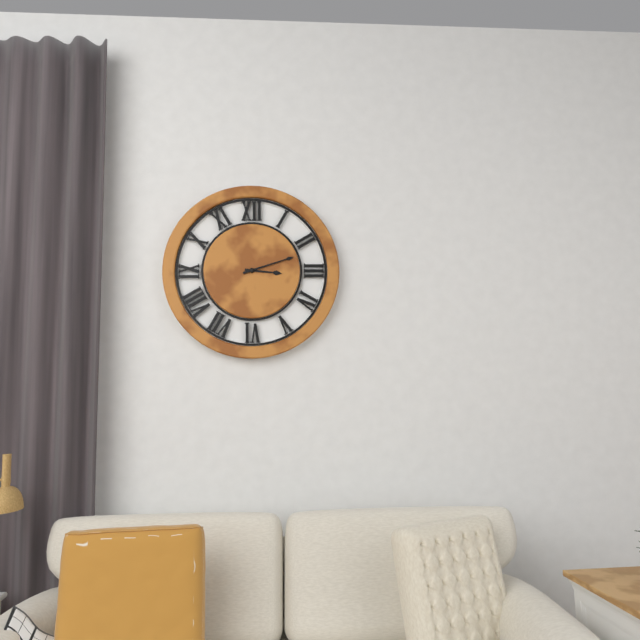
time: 3:12
